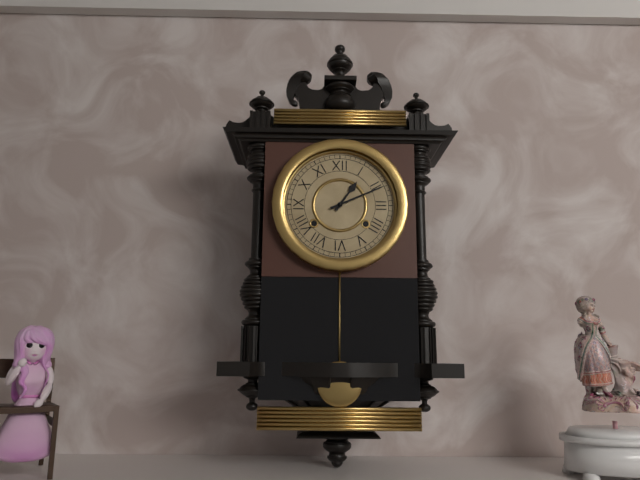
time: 1:11
